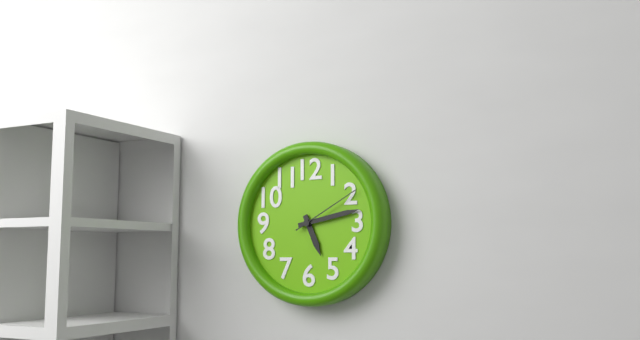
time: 5:13:10
